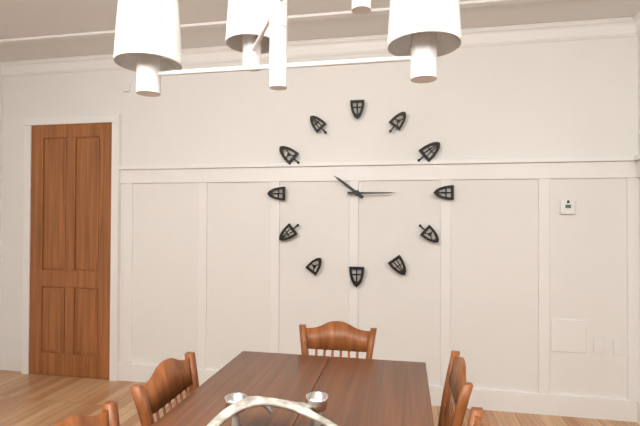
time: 10:15
